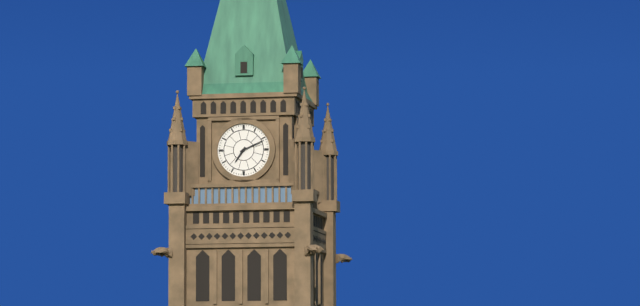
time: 7:11
